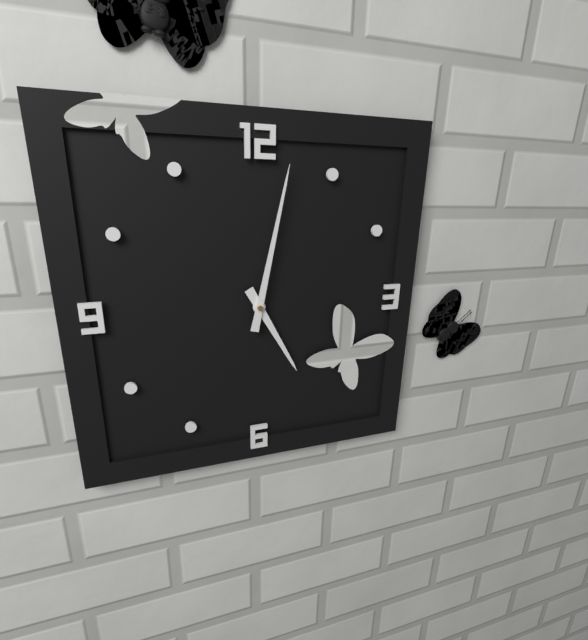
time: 5:02
